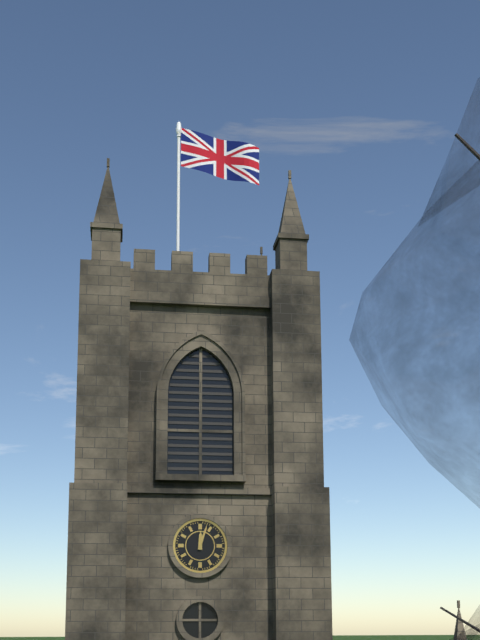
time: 12:03
